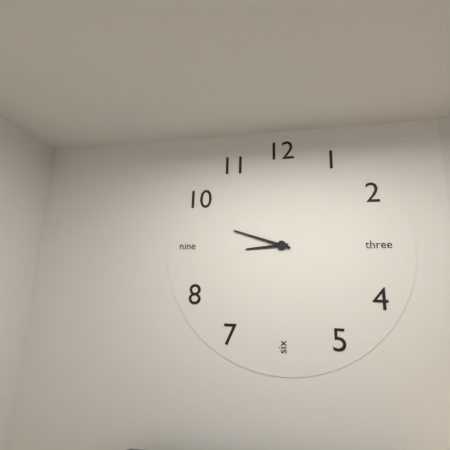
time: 8:48
